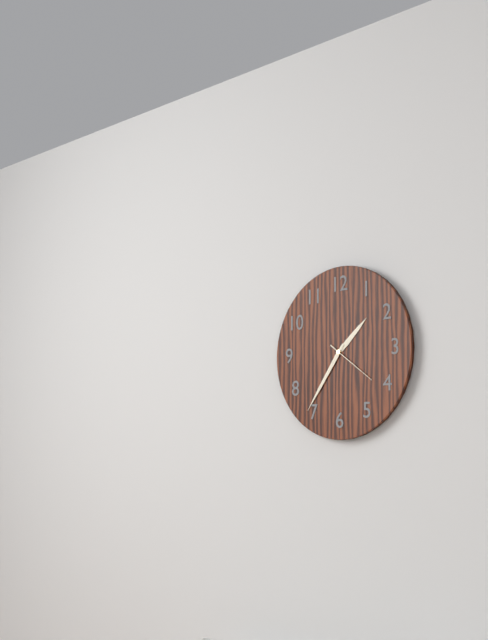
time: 1:36:21
